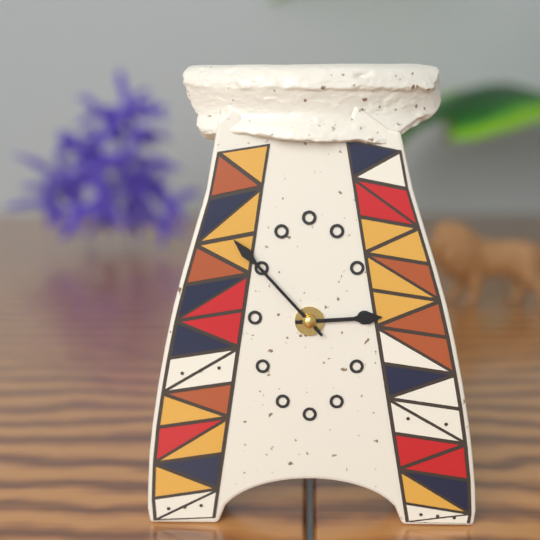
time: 2:53
